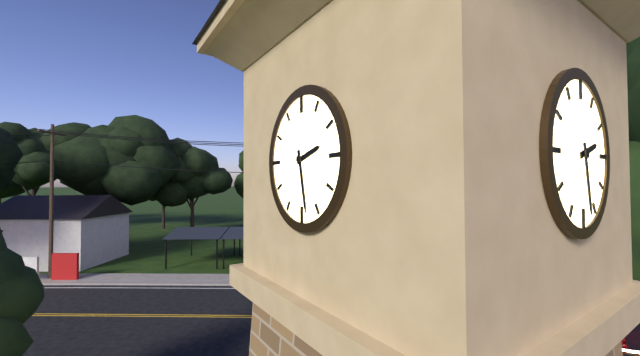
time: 2:28
